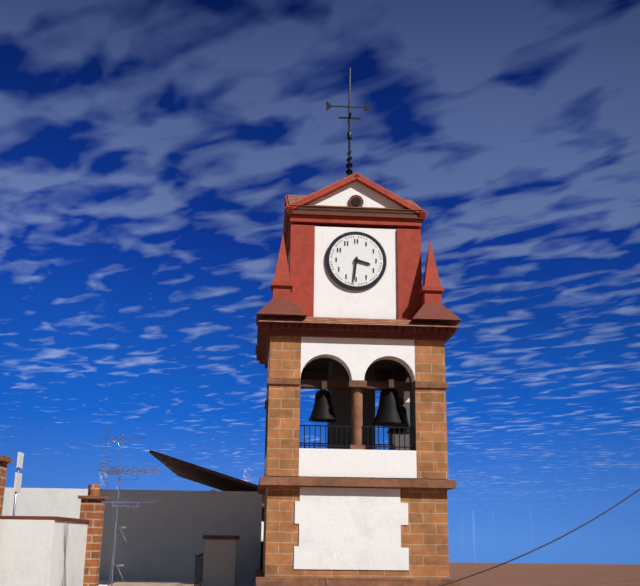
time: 3:31
